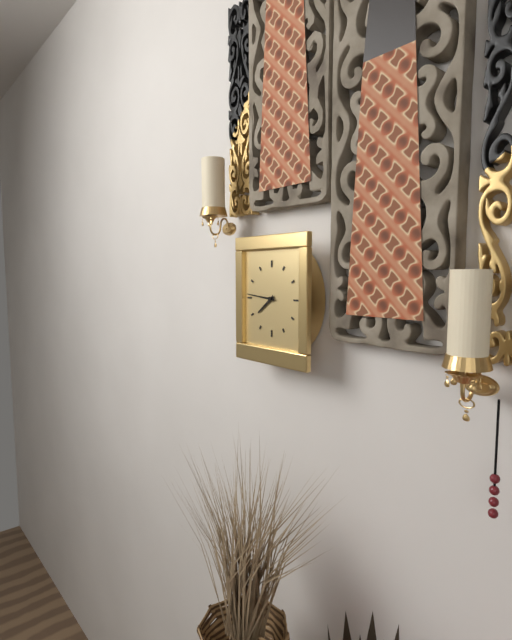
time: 7:46
